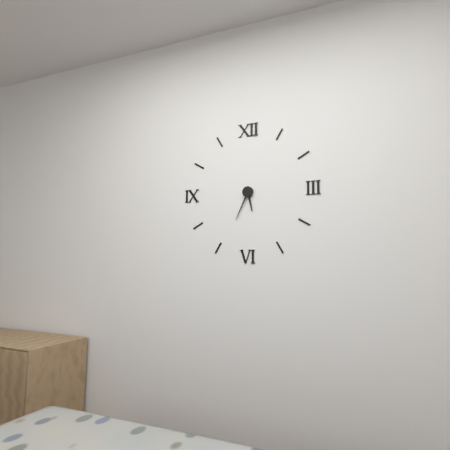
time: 5:34
